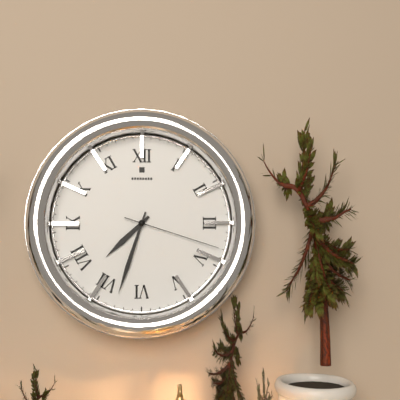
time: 7:33:18
